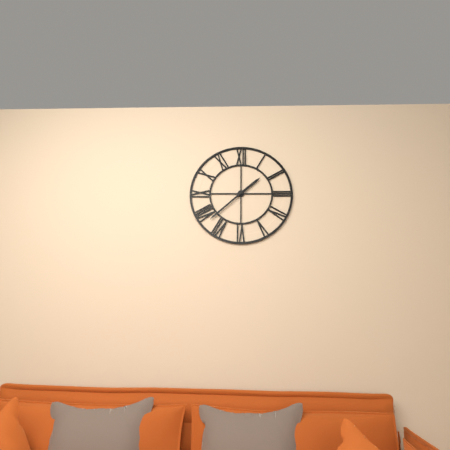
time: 1:38
